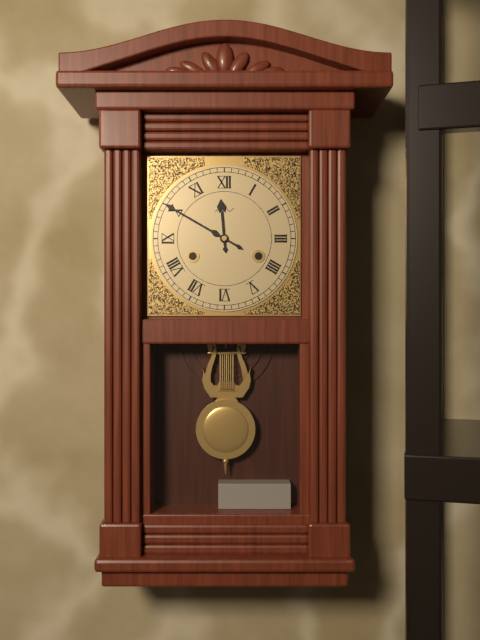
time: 11:50
